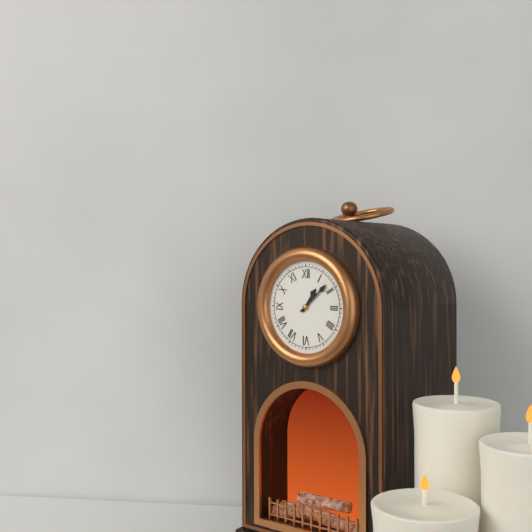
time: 1:08
